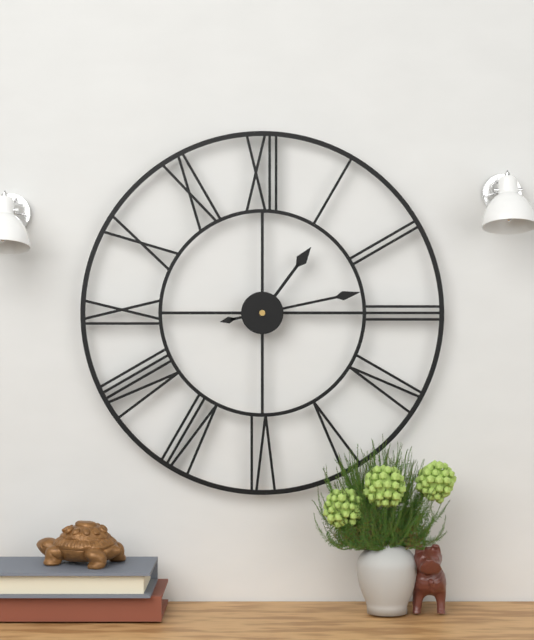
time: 1:13
